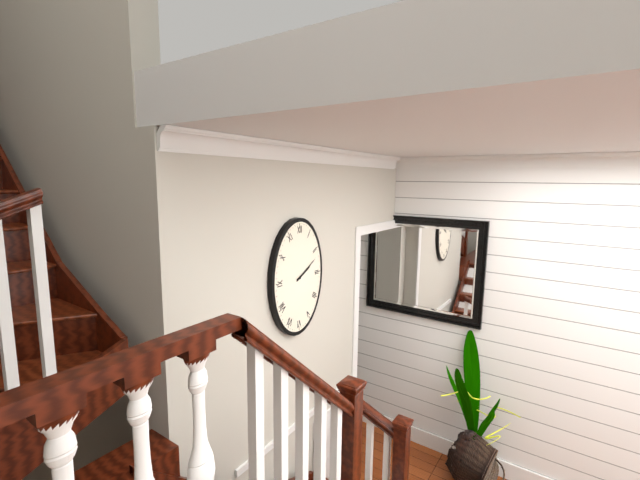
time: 2:10
